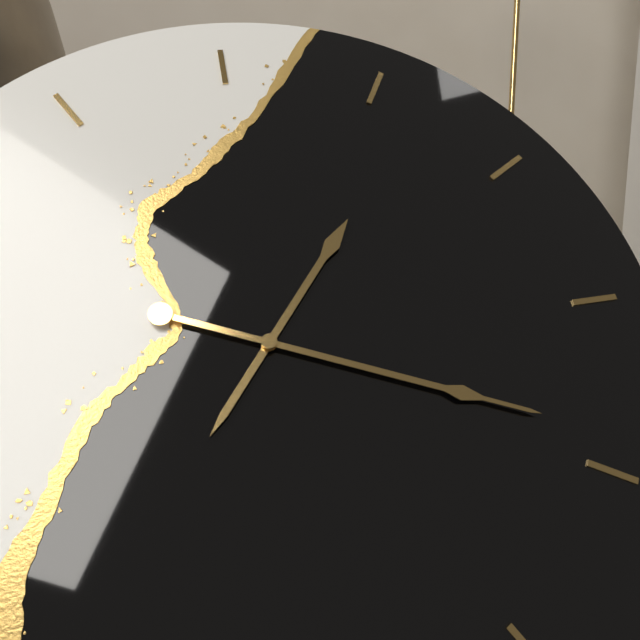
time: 1:19
